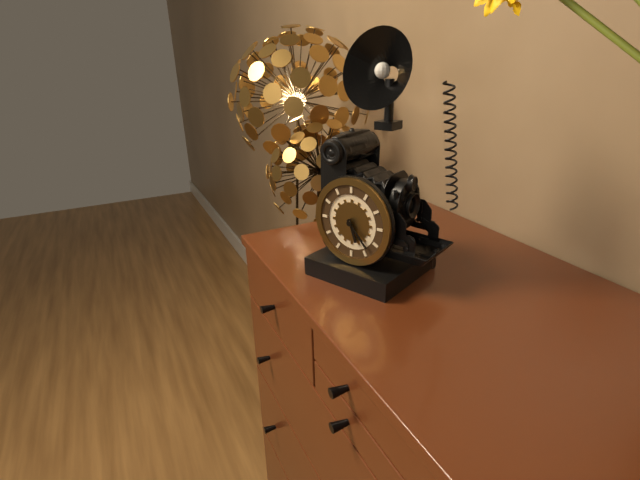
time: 5:23
